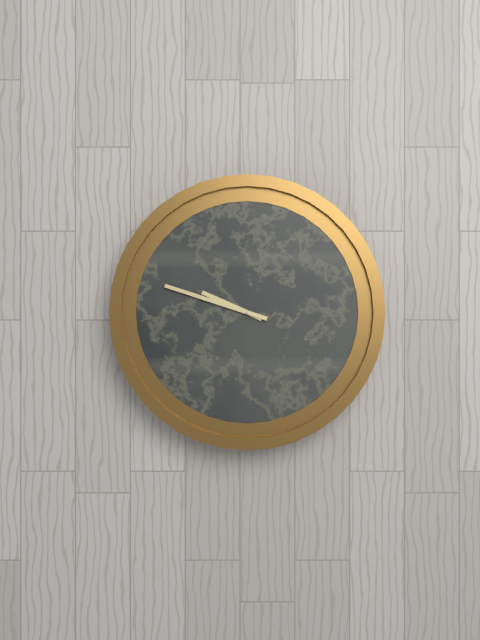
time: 9:48
